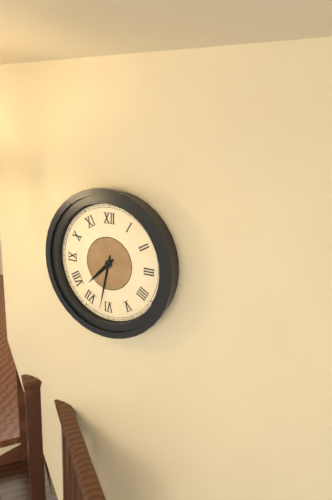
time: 7:32
